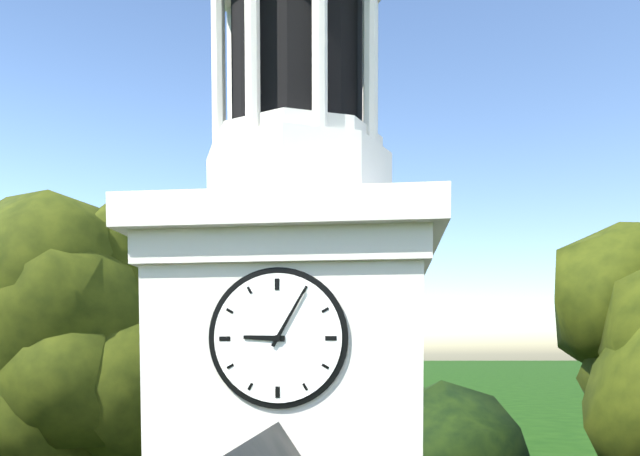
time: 9:05
